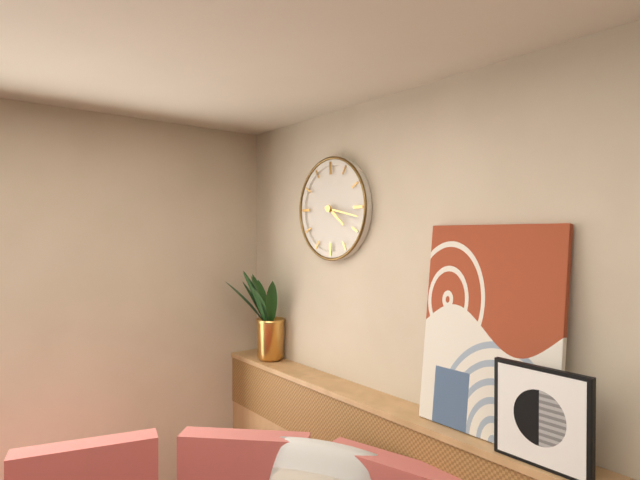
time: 4:17
